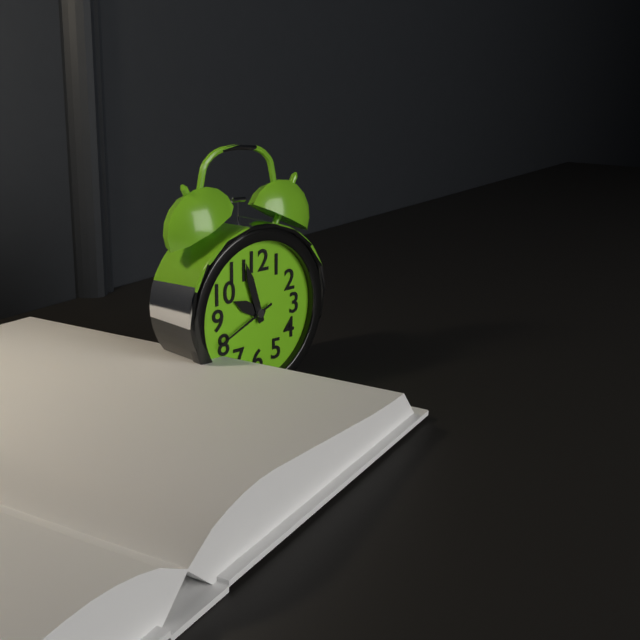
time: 9:57:41
